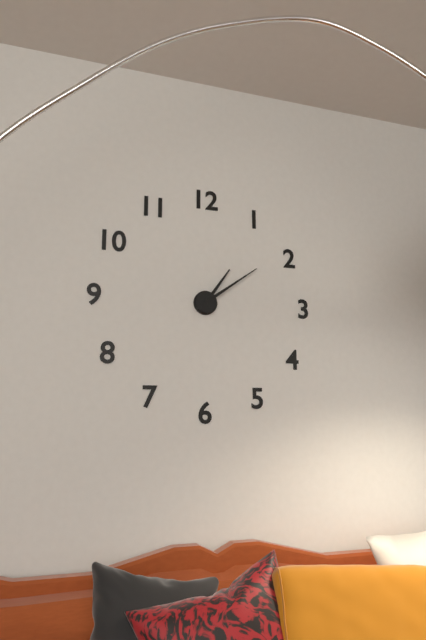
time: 1:09
